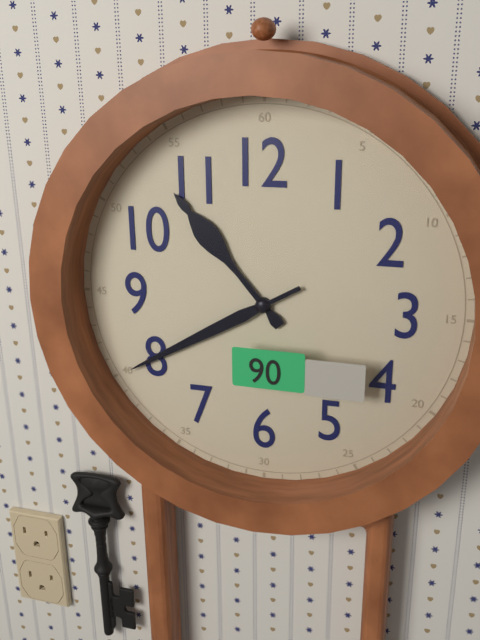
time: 10:40
